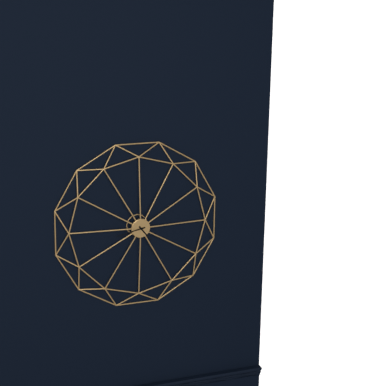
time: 4:43
